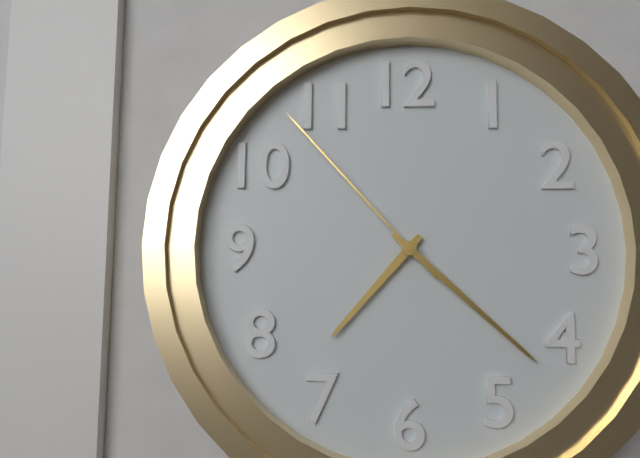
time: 7:22:53
